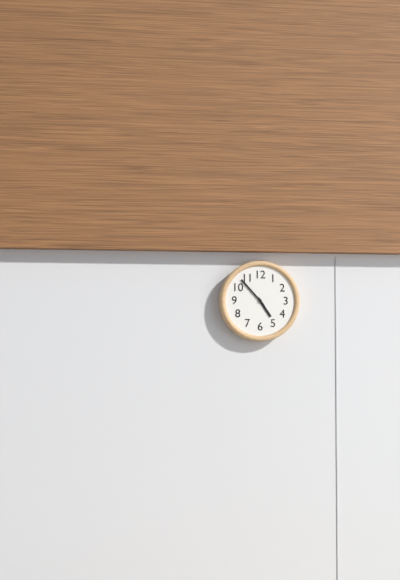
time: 4:53
